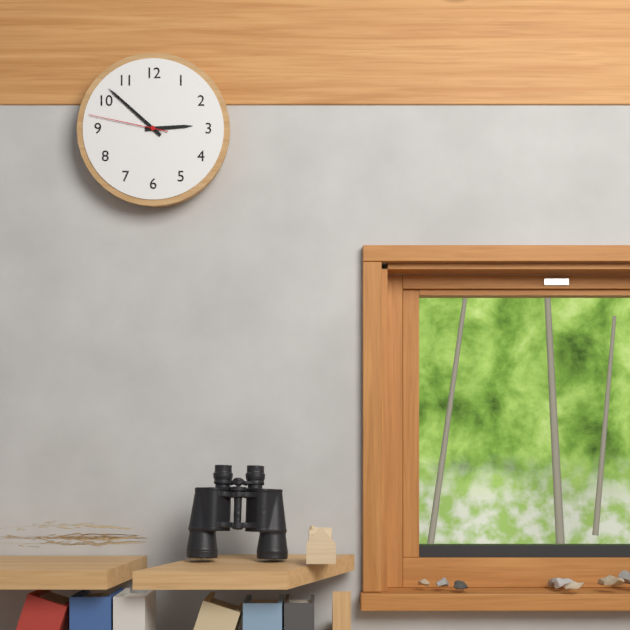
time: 2:52:47
